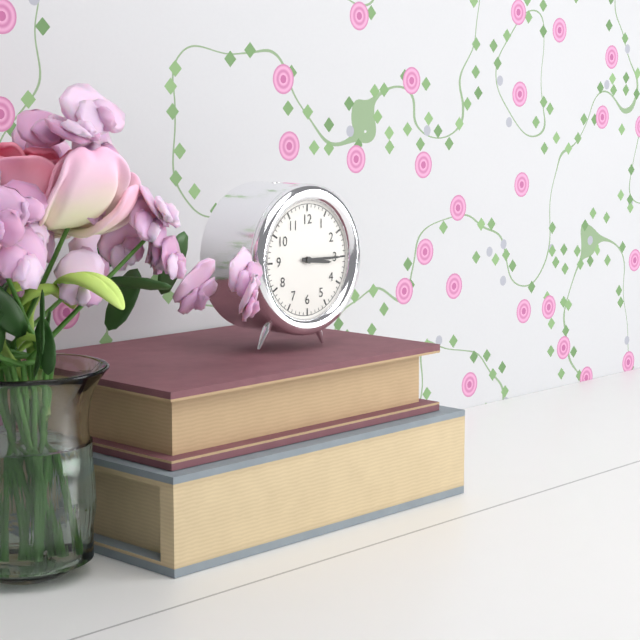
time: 3:15
